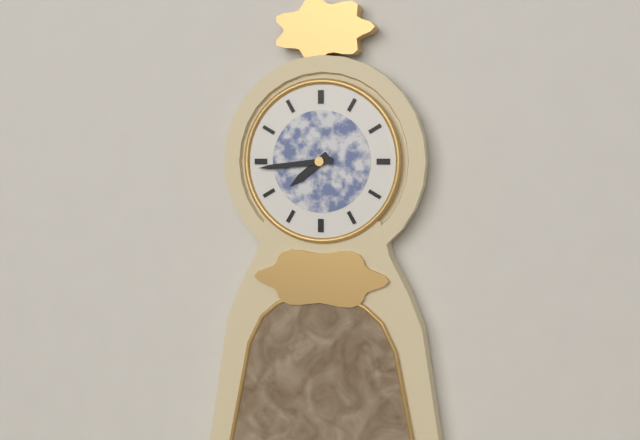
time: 7:44
